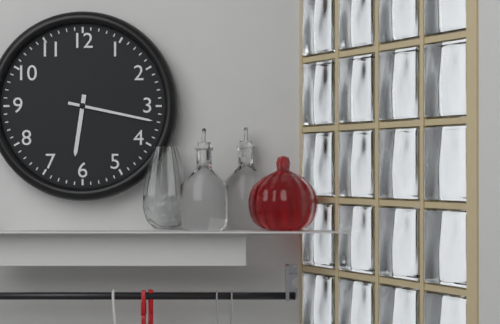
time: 6:17
